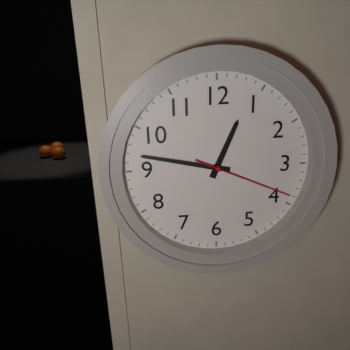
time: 12:47:19
